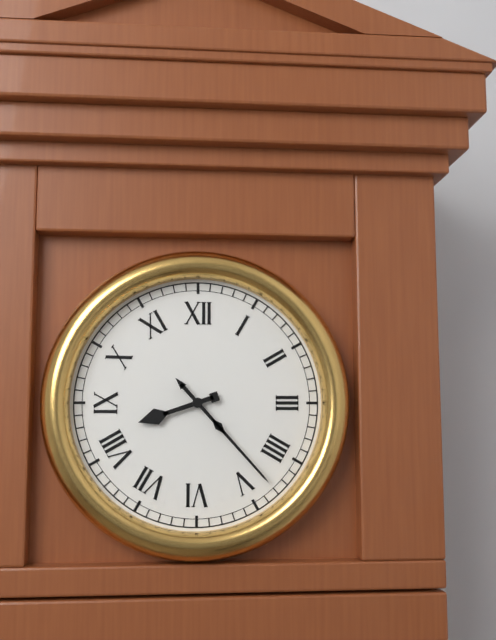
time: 8:23
